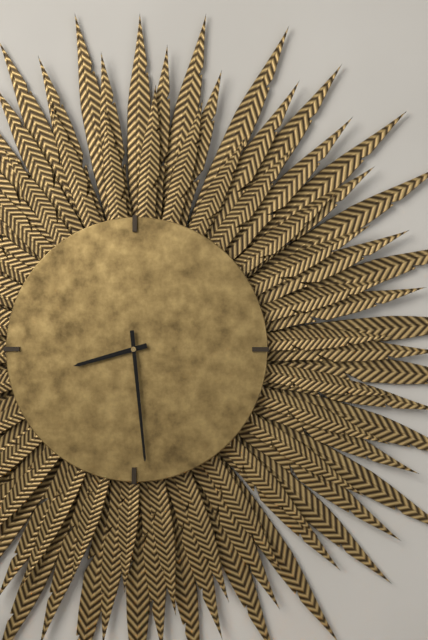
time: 8:29
